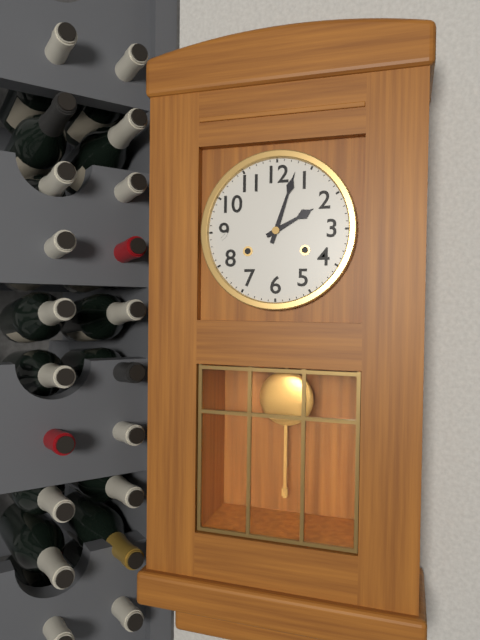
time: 2:03
